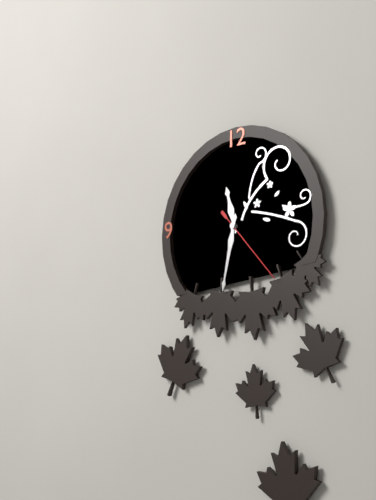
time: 11:32:23
